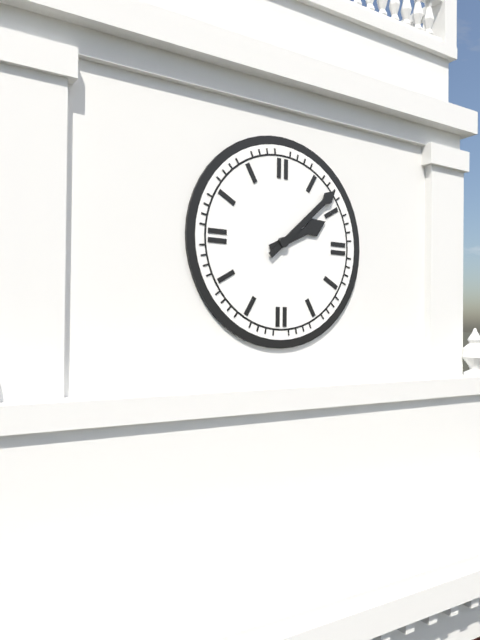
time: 2:08
